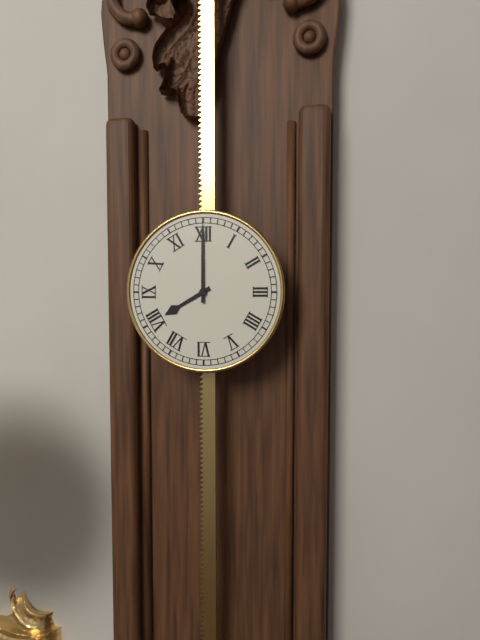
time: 8:00
